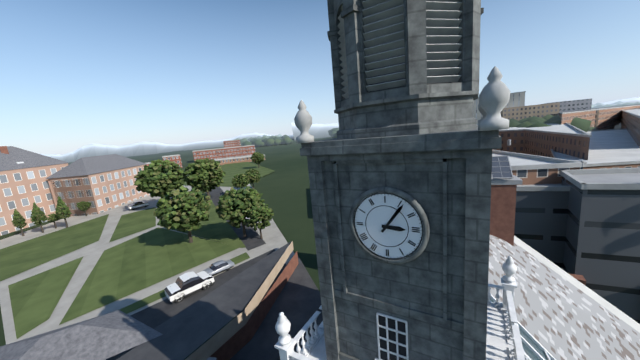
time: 3:06
